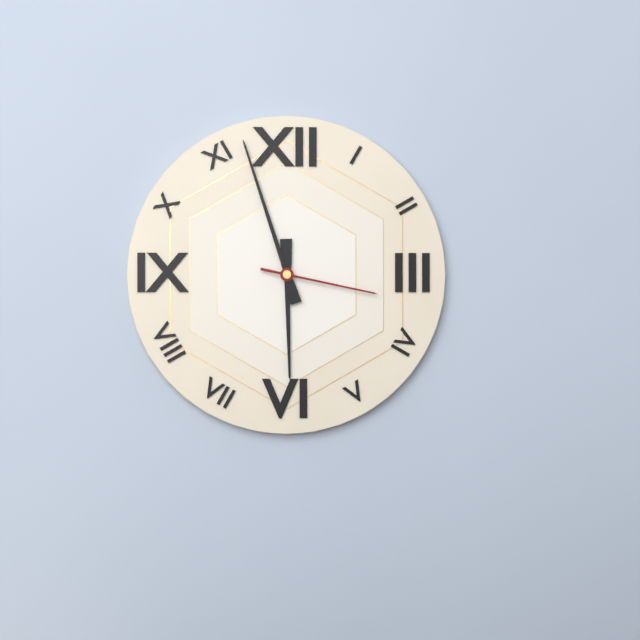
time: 5:57:17
